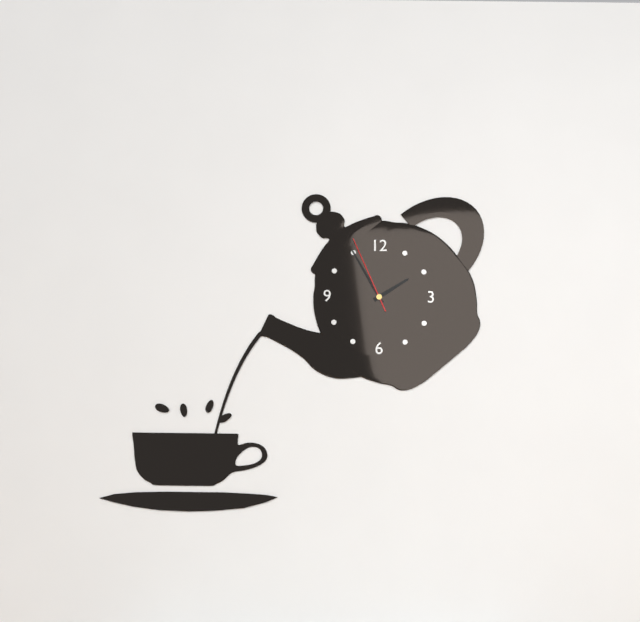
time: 1:55:56
